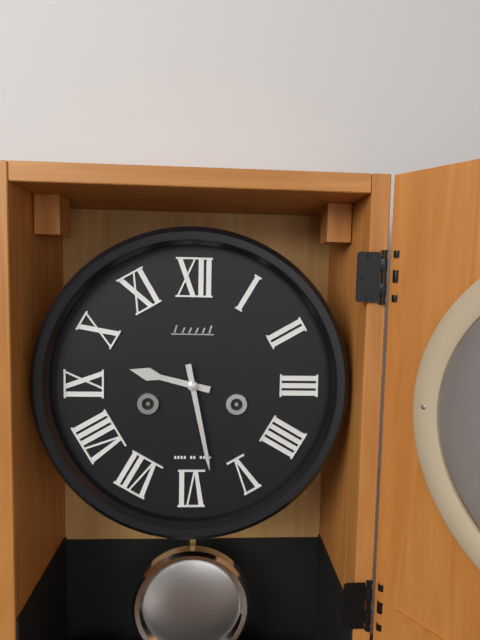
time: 9:28
